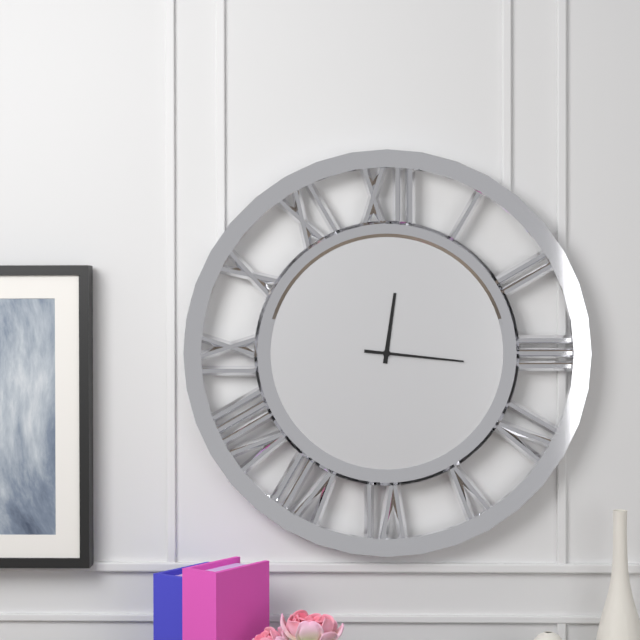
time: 12:16
